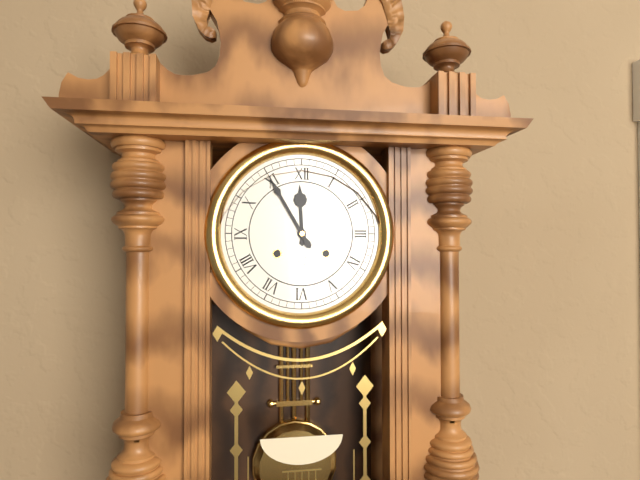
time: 11:55
